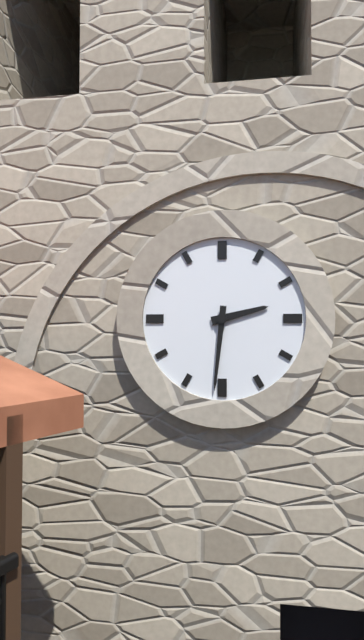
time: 2:31
